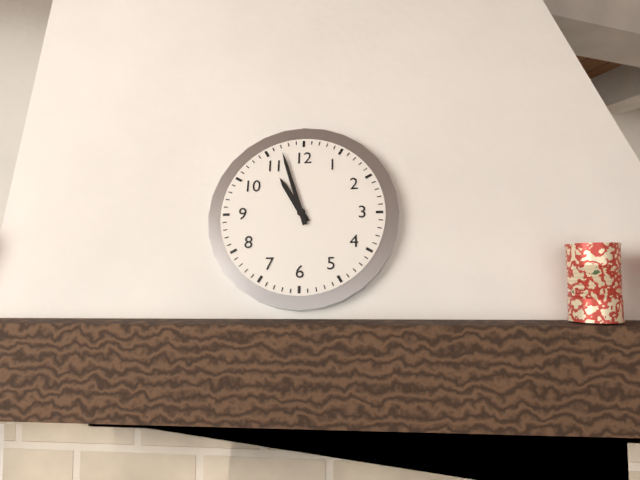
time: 10:57
